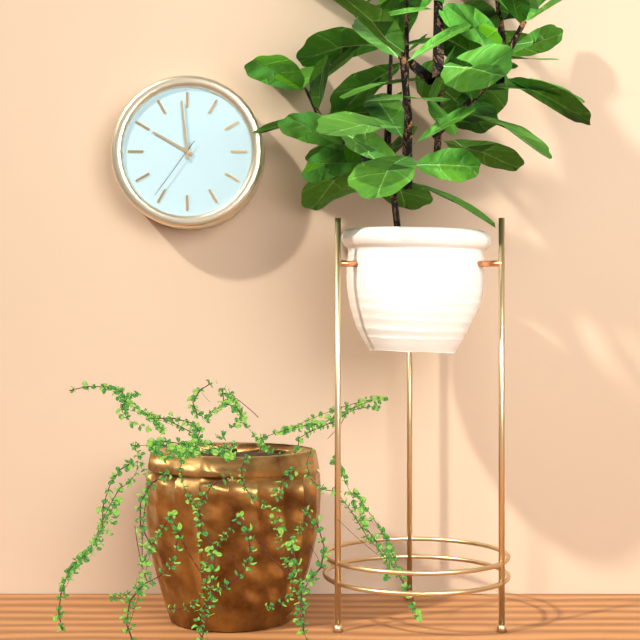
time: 9:59:36
